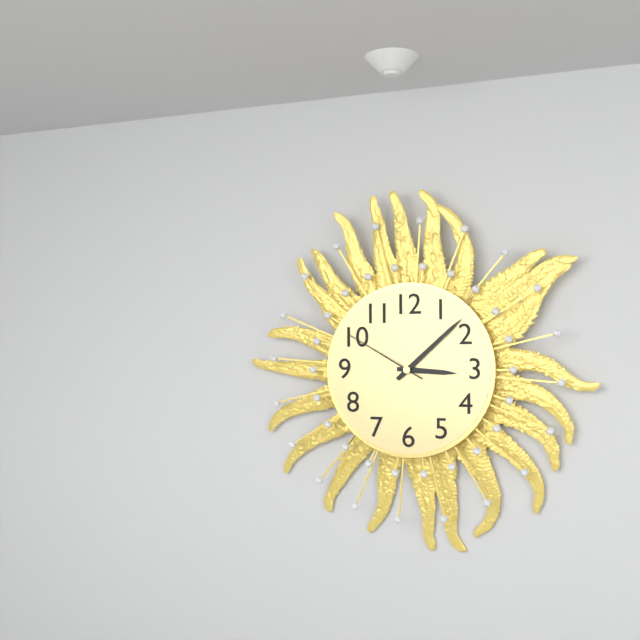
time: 3:08:50
